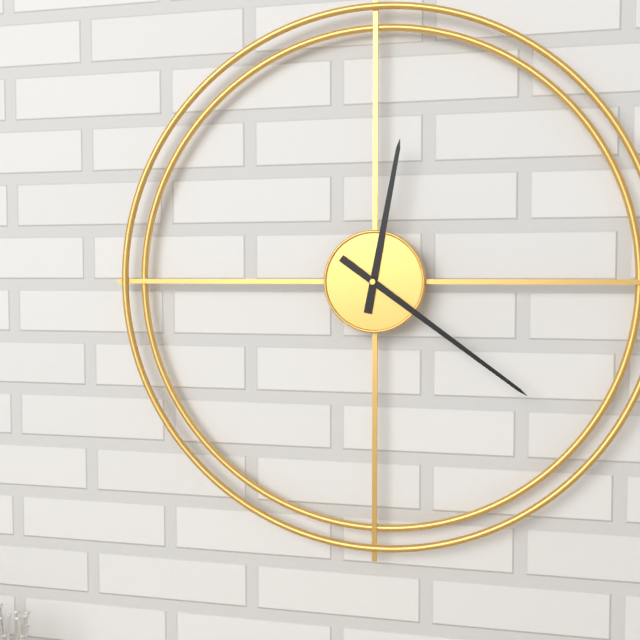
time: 12:21
